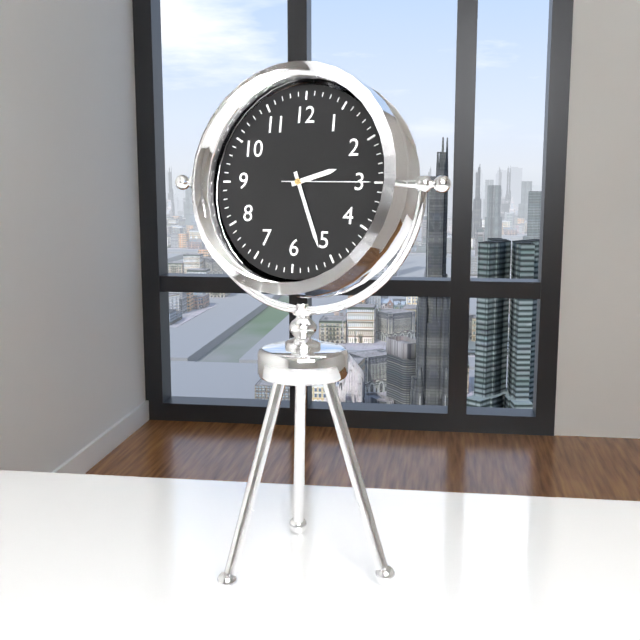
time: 2:26:15
